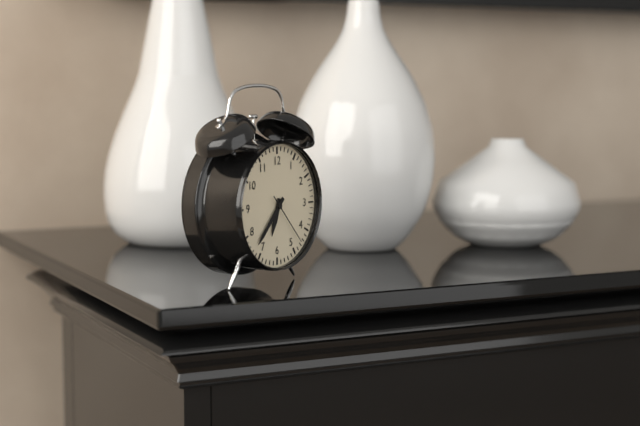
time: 6:37:23
